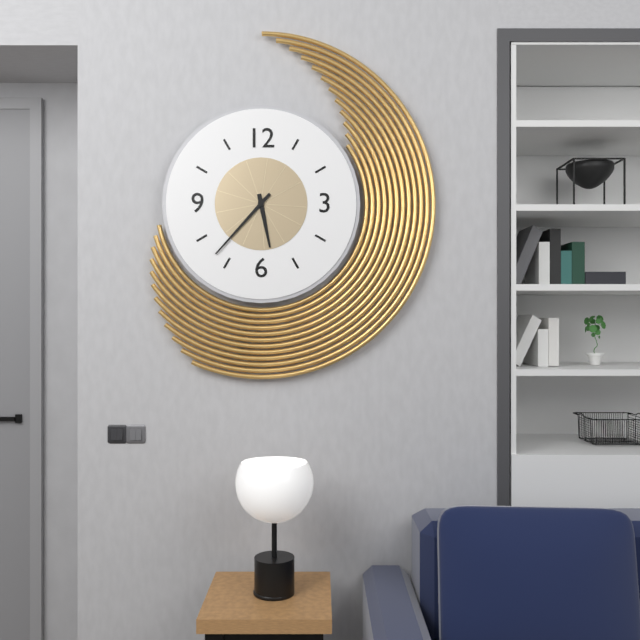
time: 5:37
